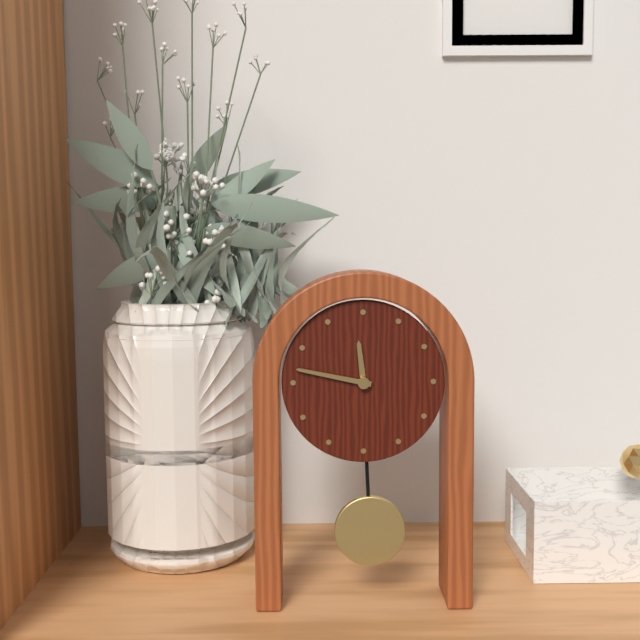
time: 11:47
